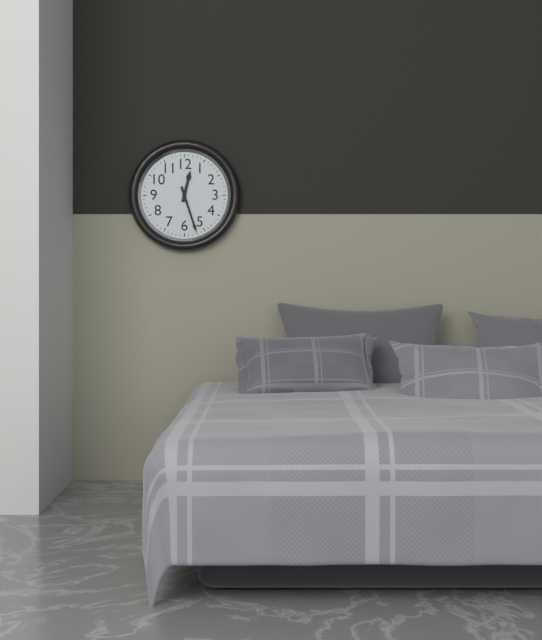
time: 12:27
